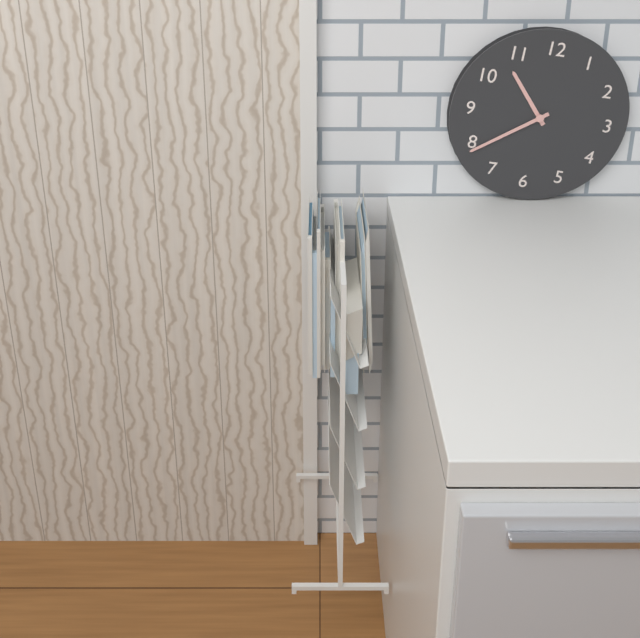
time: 10:39
